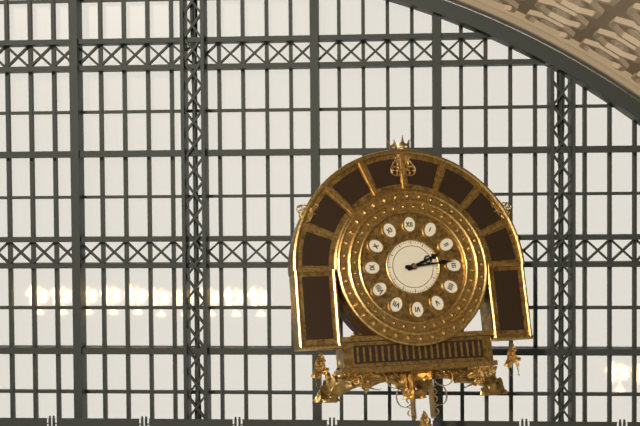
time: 2:14
